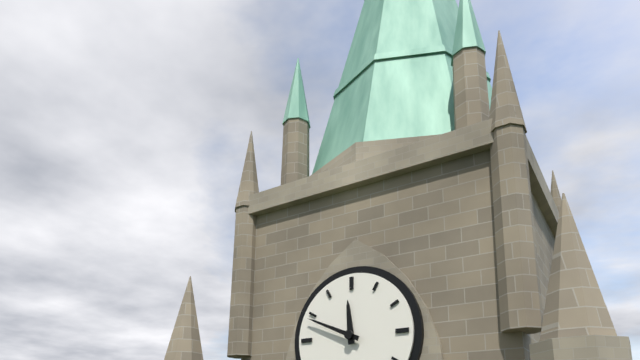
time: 11:49
